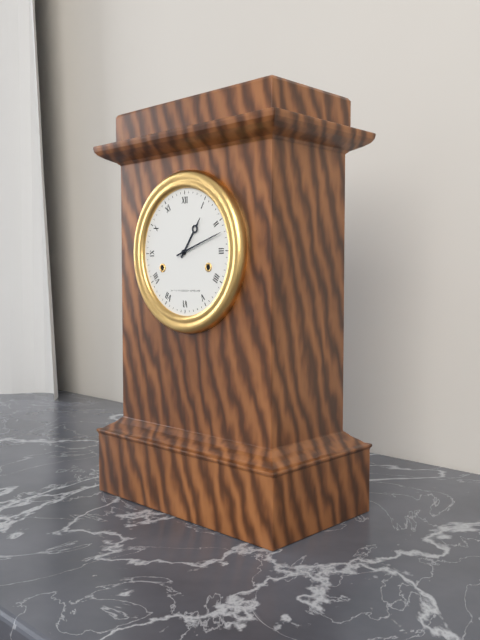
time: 1:12
